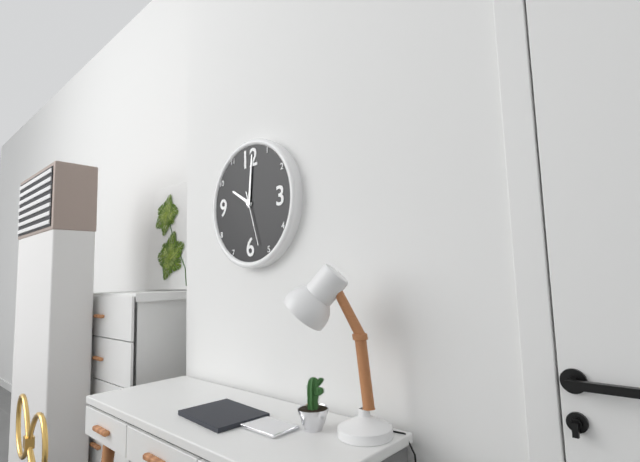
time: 10:01:27
